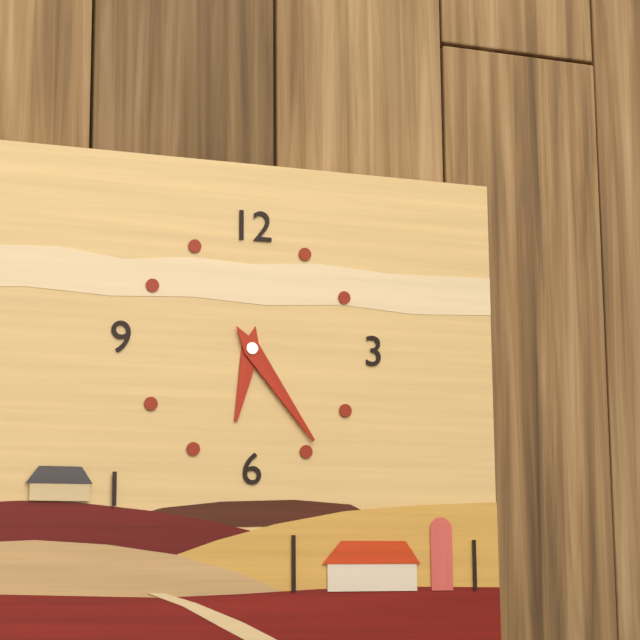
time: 6:24
